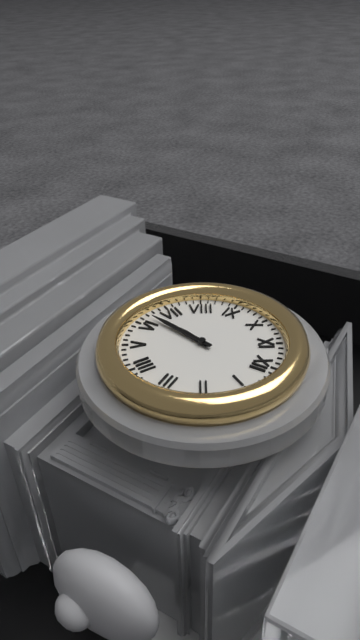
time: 6:32
